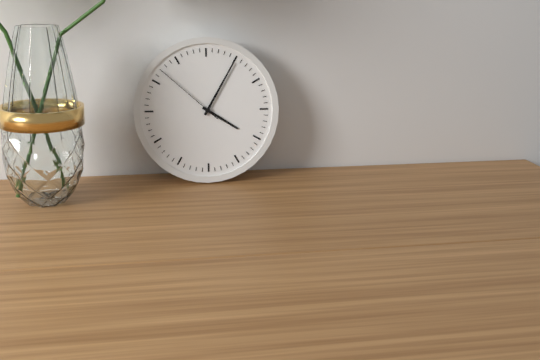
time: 4:05:52
